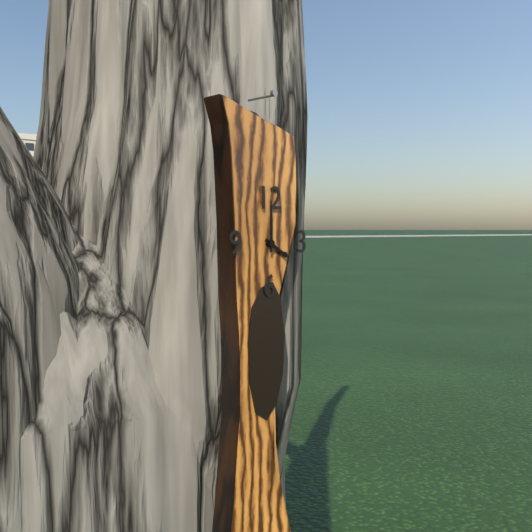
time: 4:00
